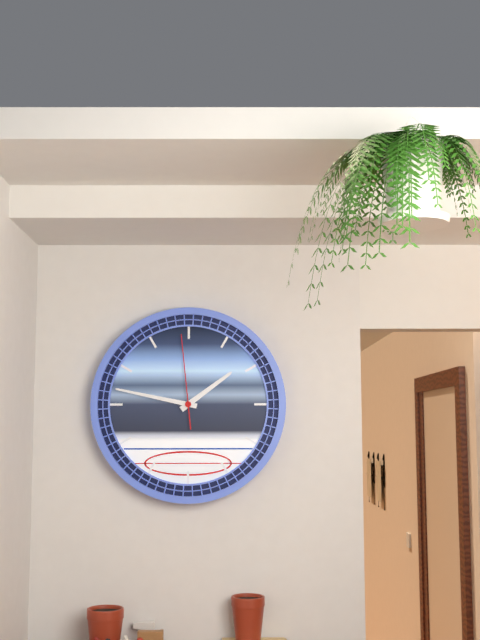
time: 1:47:59
